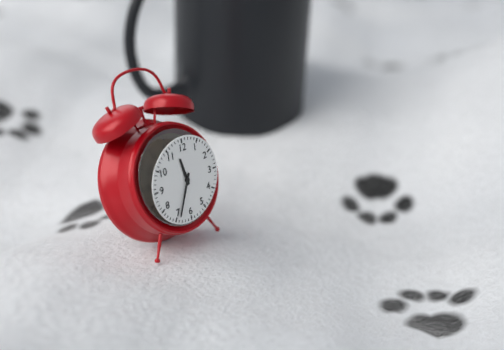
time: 11:34
